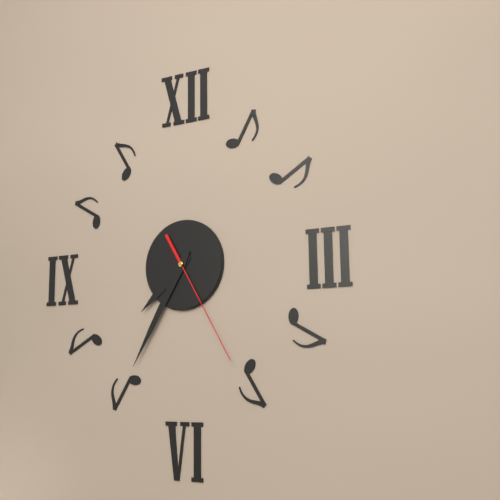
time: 7:35:25
